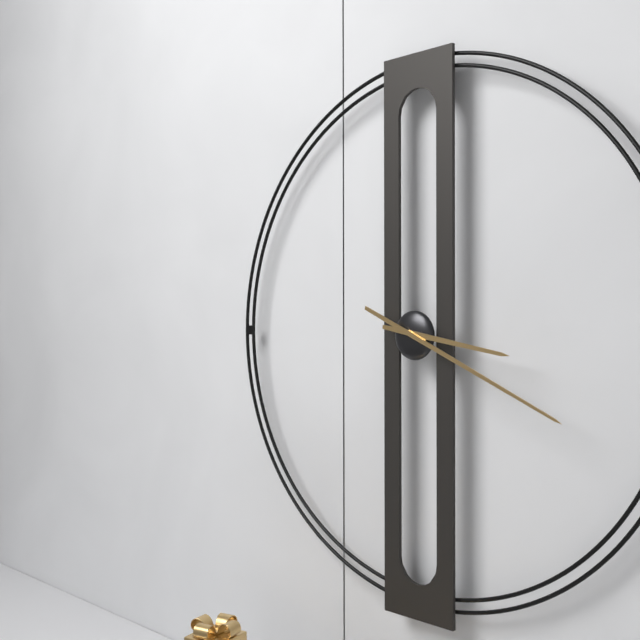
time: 3:19
